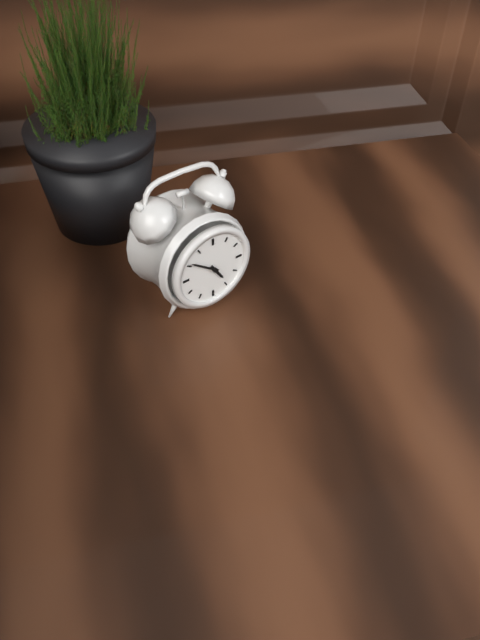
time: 4:51
